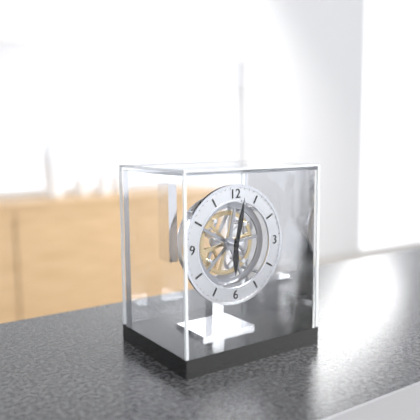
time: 6:02
